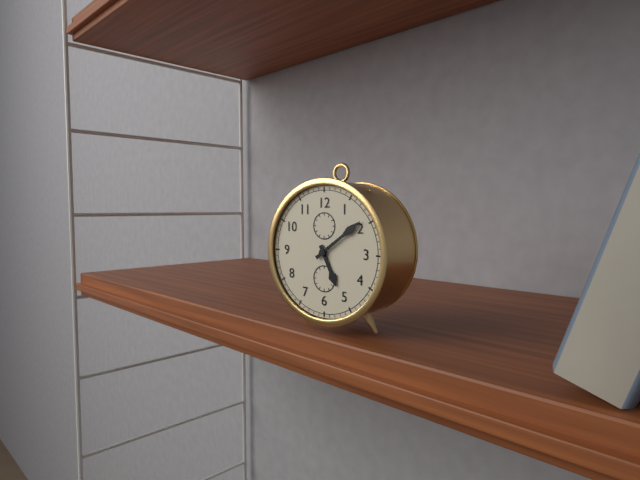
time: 5:09
